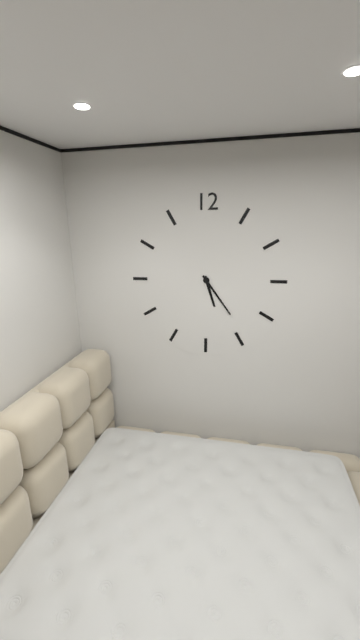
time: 5:24
